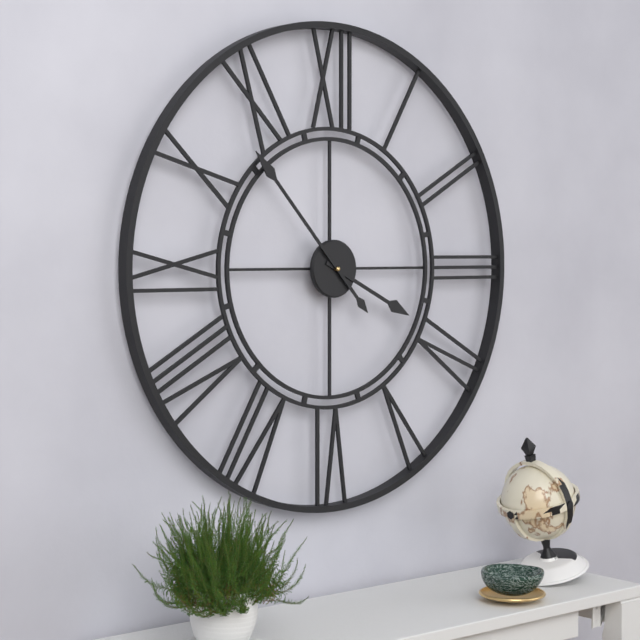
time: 3:53
